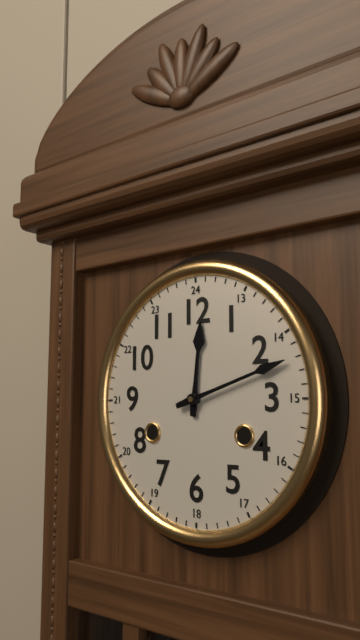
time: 12:12
